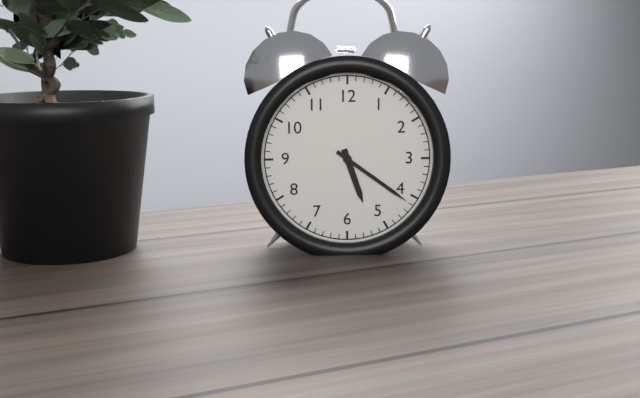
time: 5:21
